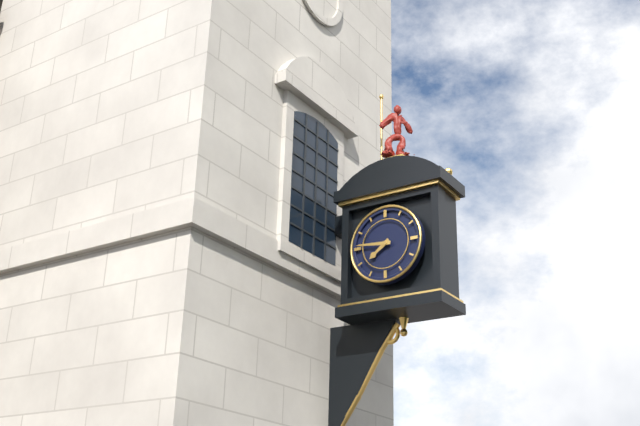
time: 7:46
